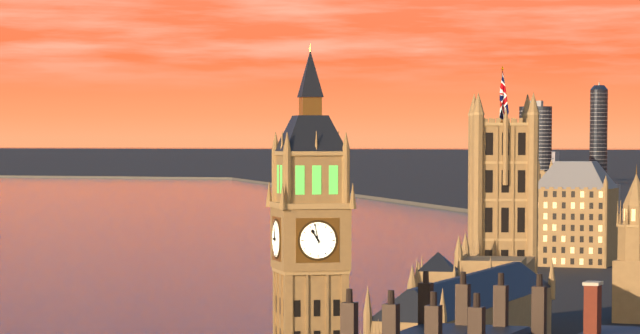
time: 10:58
